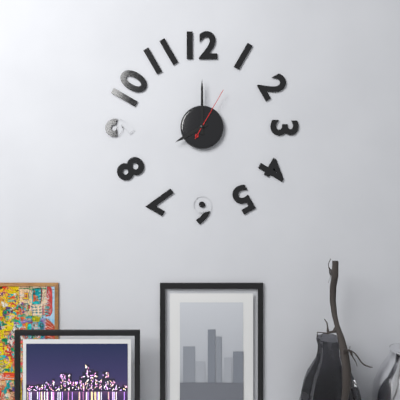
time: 8:00:05
